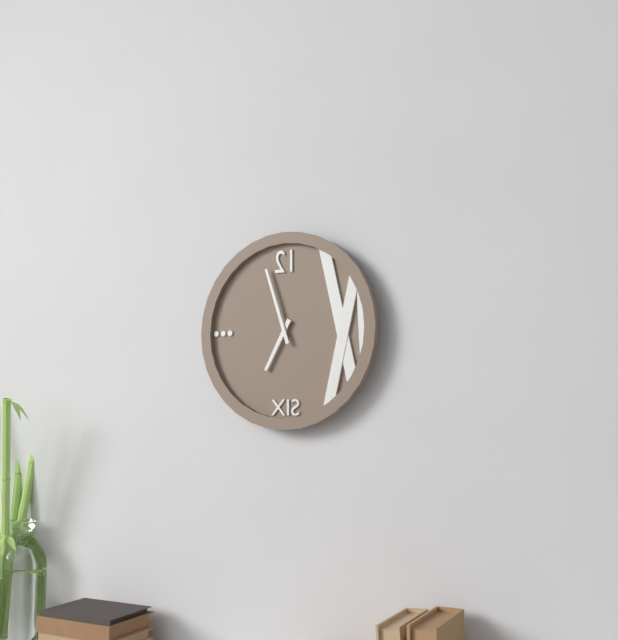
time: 6:57
